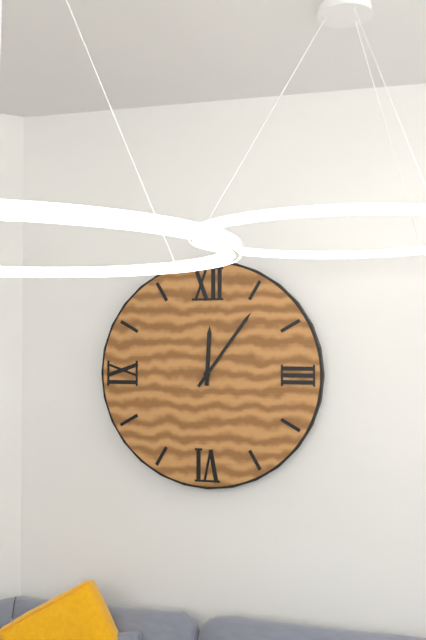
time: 12:06
